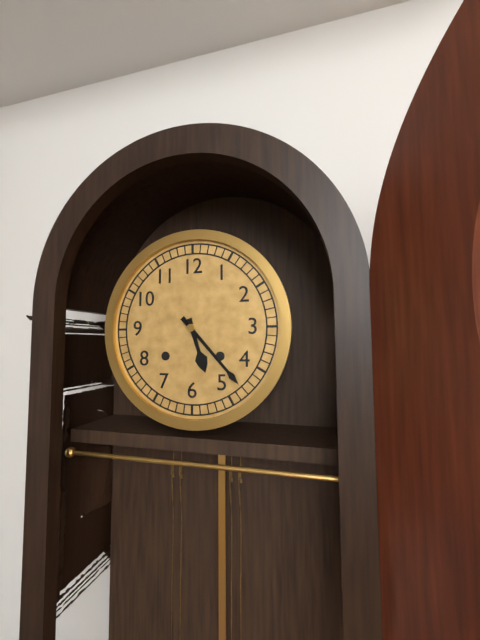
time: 5:23
